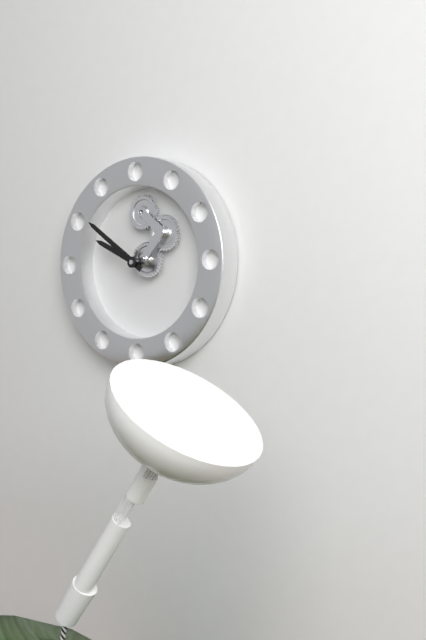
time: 9:51
